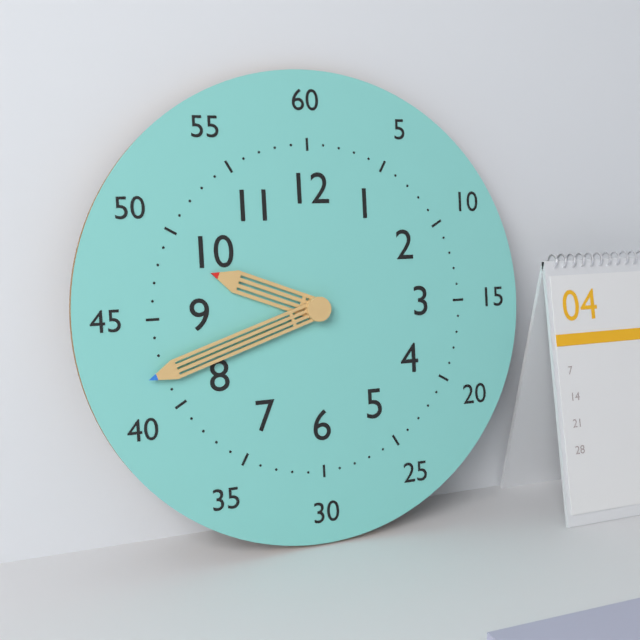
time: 9:42
